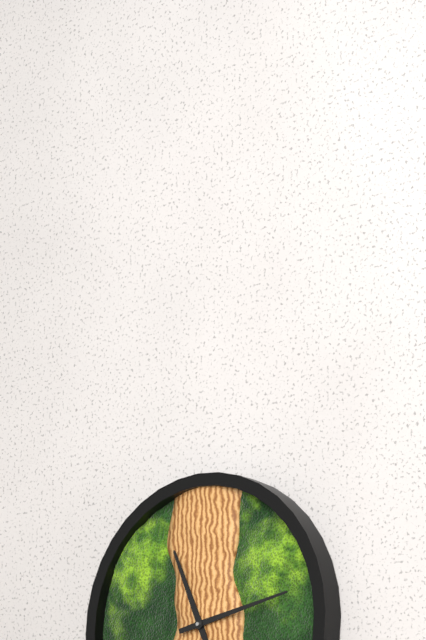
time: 11:13
